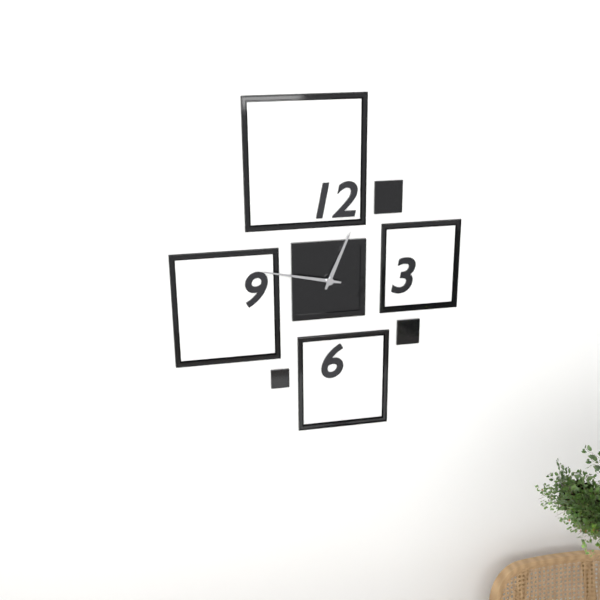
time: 12:47
